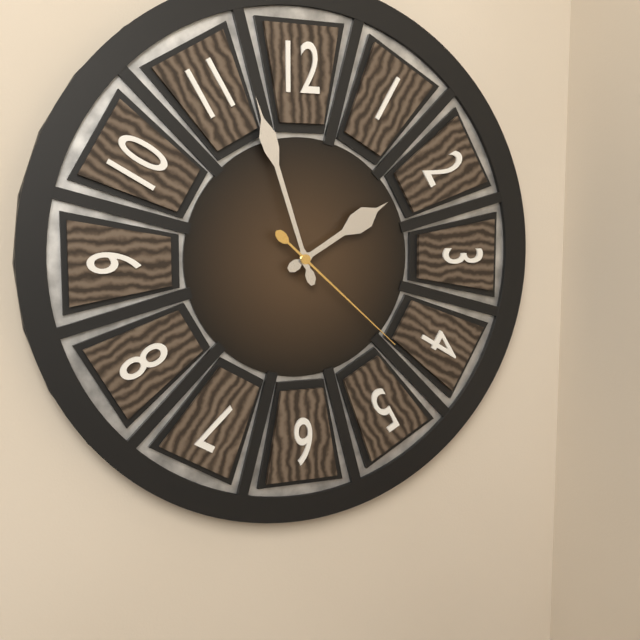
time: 1:57:22
